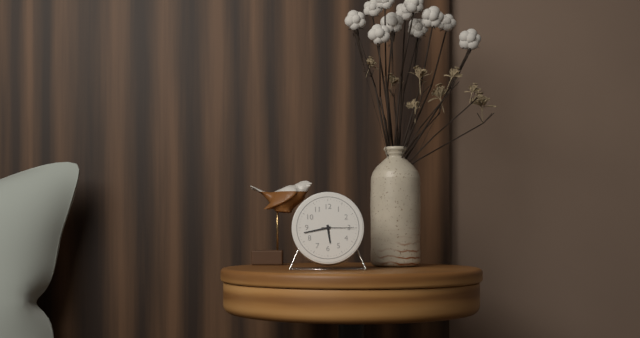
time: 5:43
